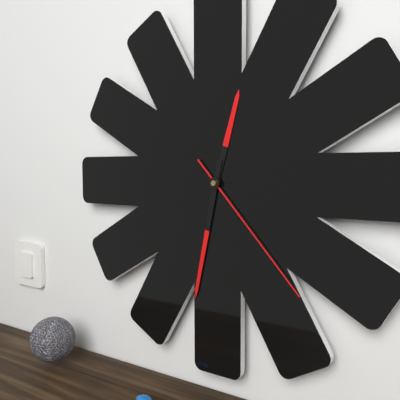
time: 12:32:23
